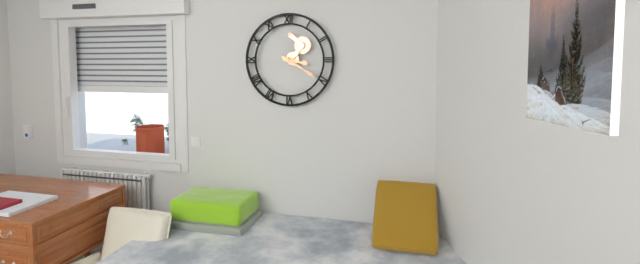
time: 3:20
